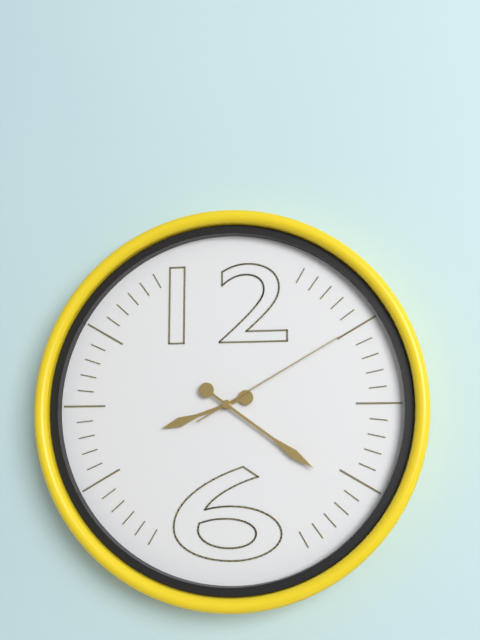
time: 8:21:10
